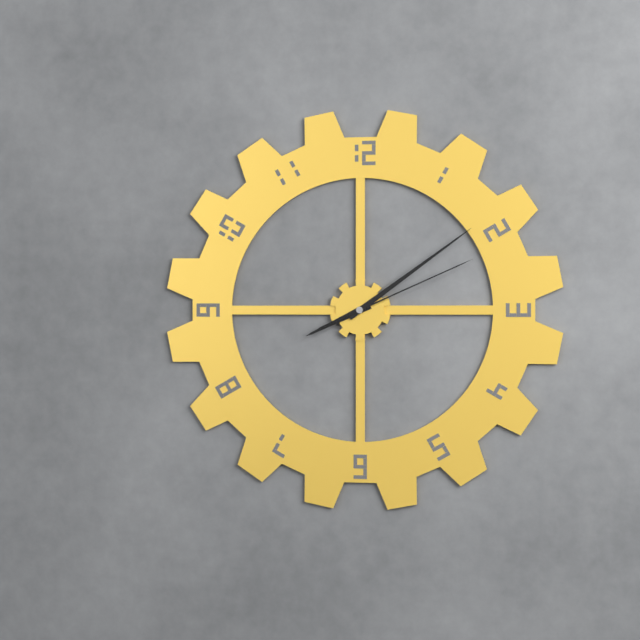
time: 8:09:11
